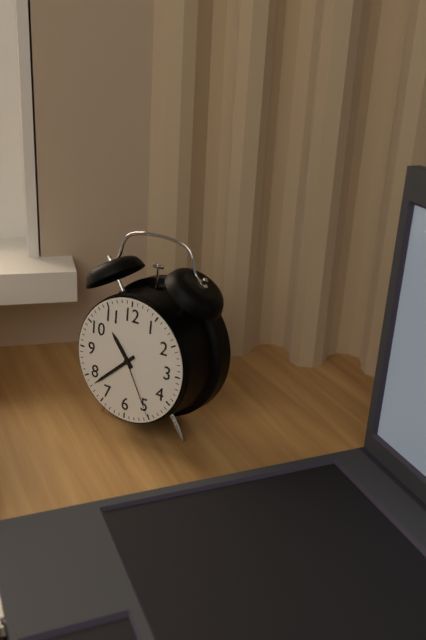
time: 10:38:25
